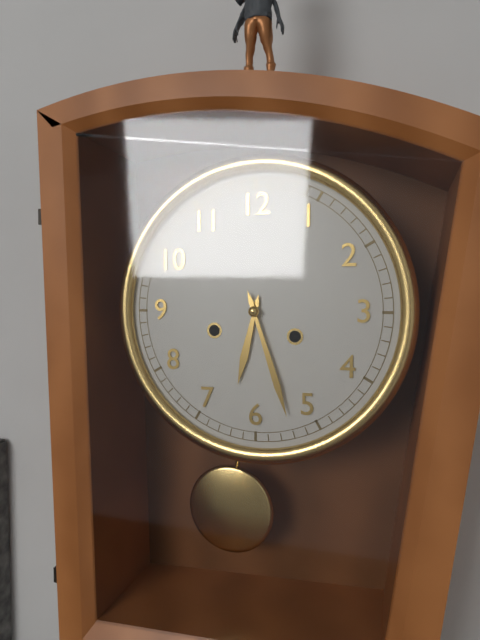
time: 6:27
